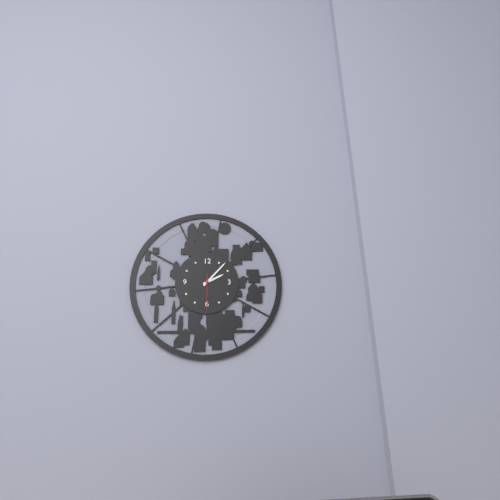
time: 2:07
